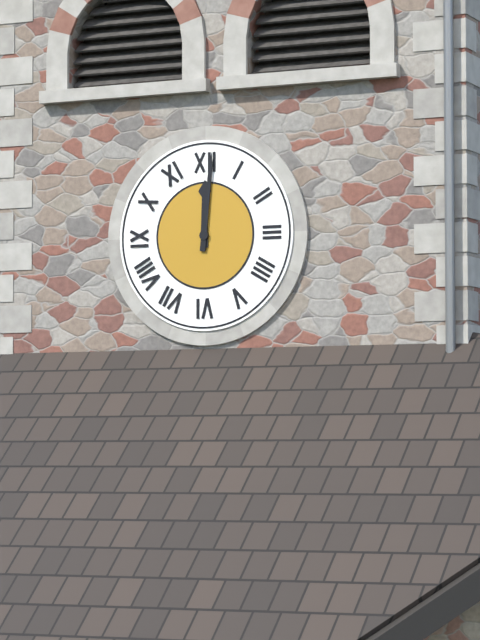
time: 12:01
